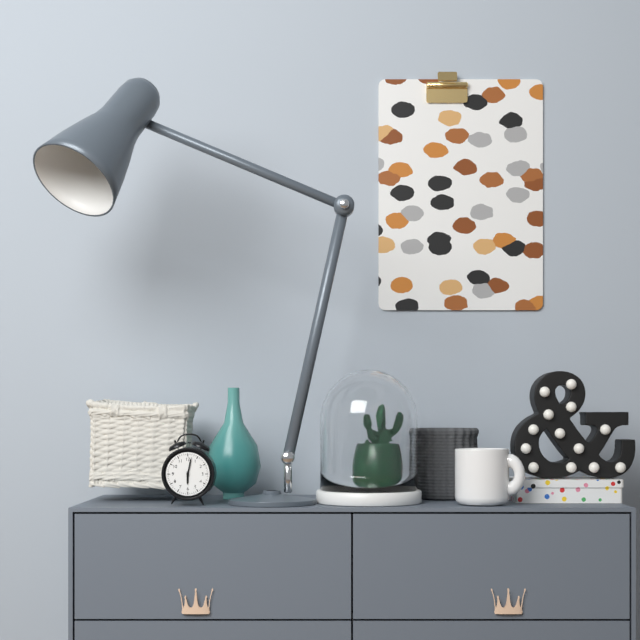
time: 6:02
